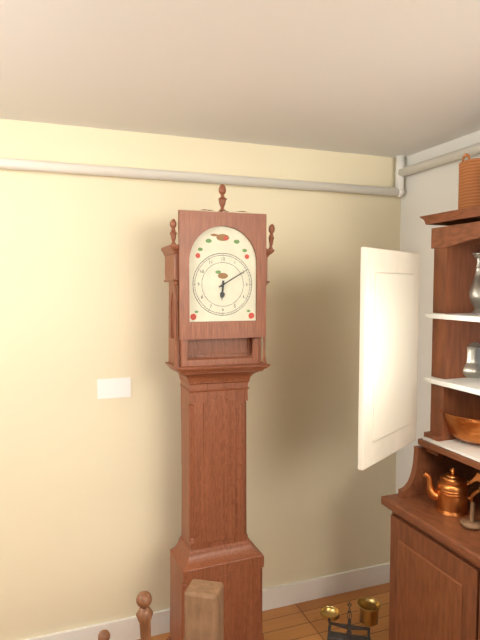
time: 6:10
